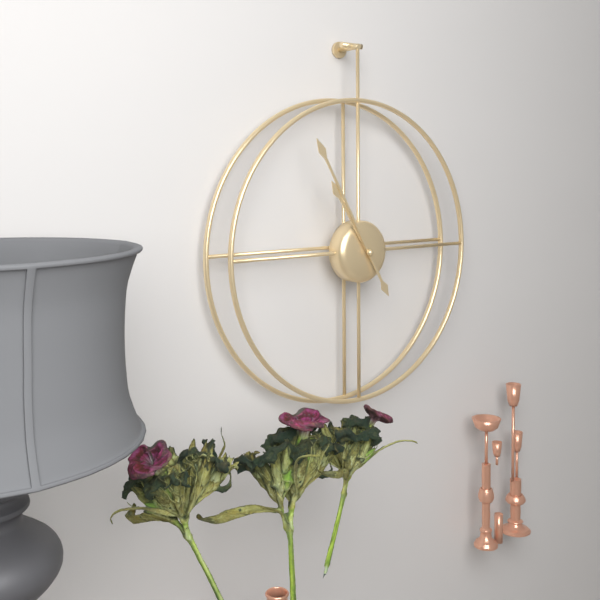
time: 10:55
